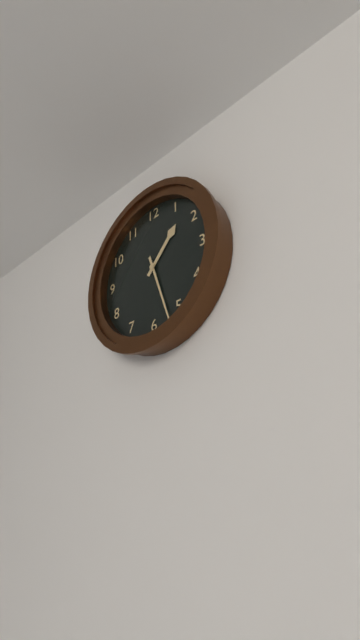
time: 1:27
